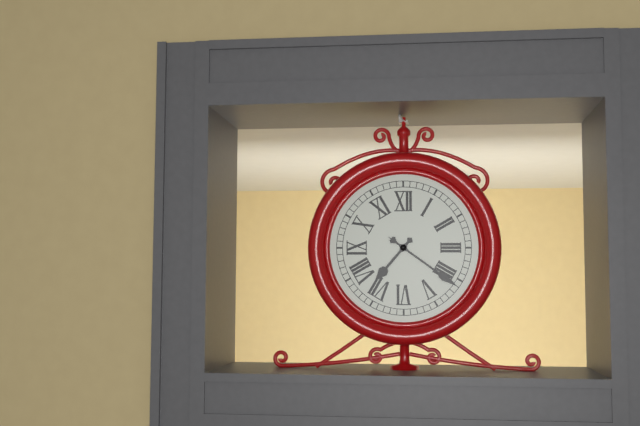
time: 7:21
